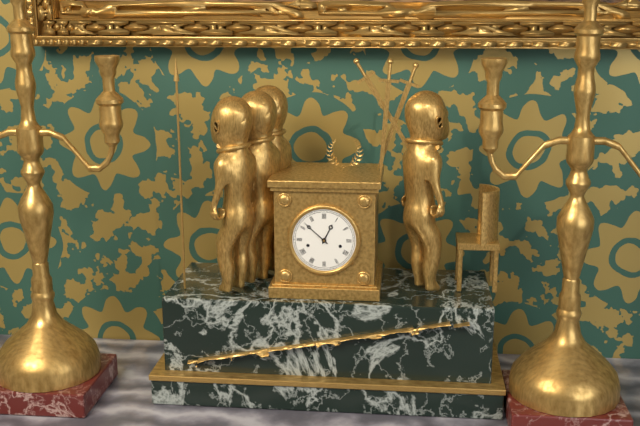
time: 12:52
